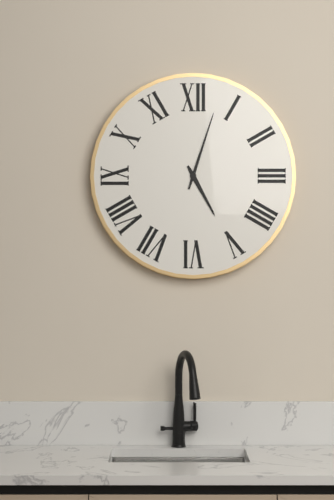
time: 5:03
